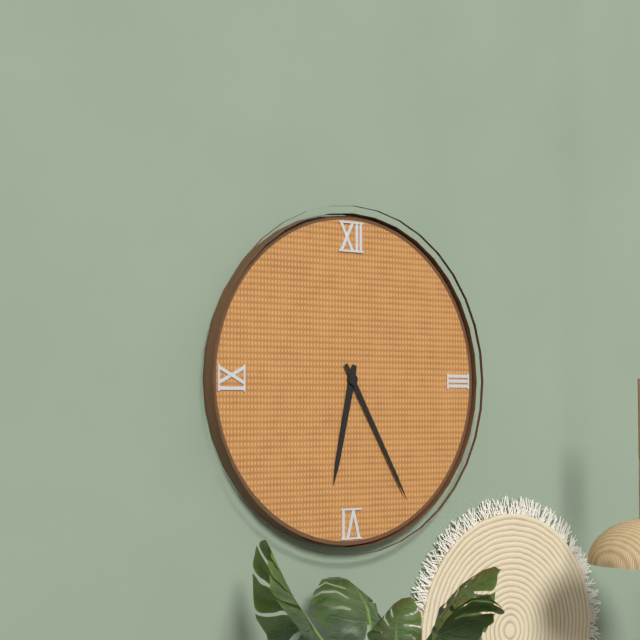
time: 6:25
